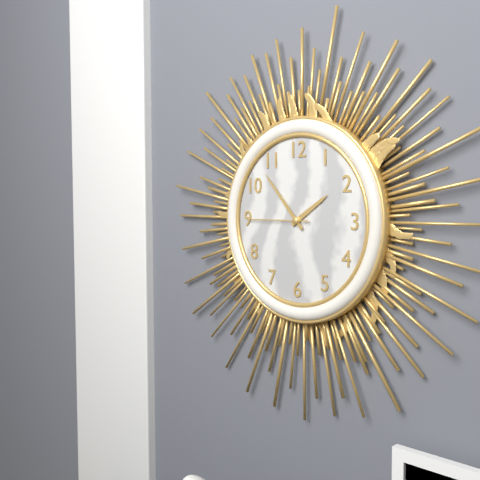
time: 1:53:45
